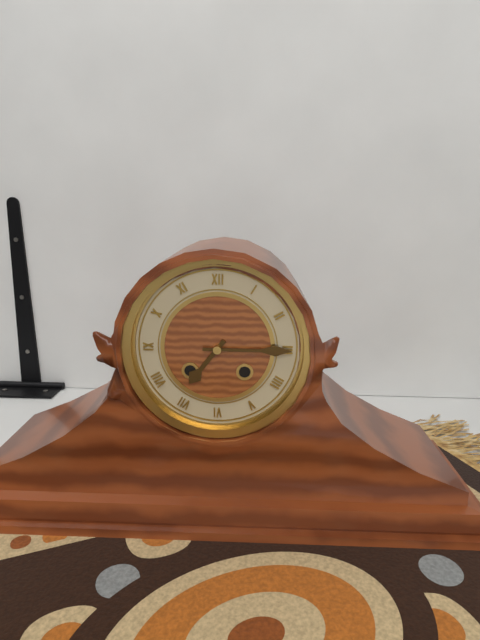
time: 7:15
